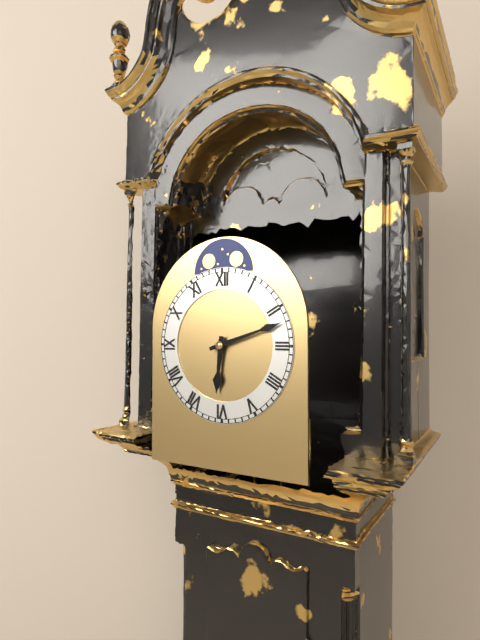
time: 6:12
